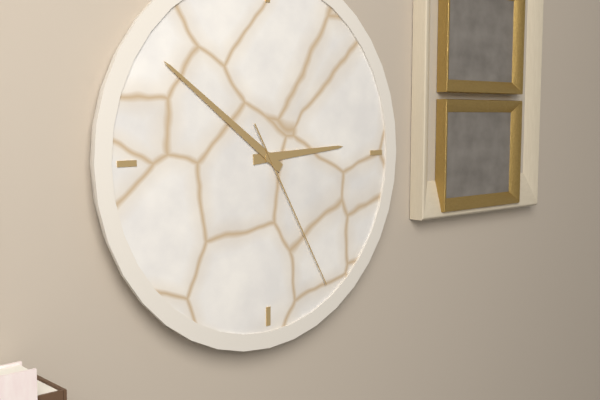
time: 2:51:25
